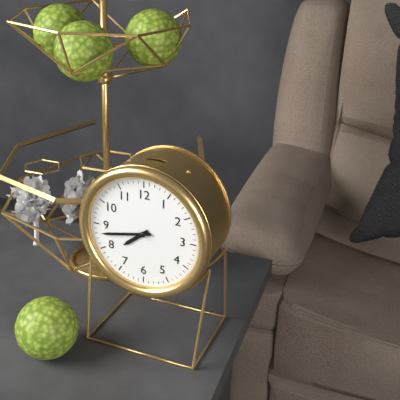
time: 7:43
